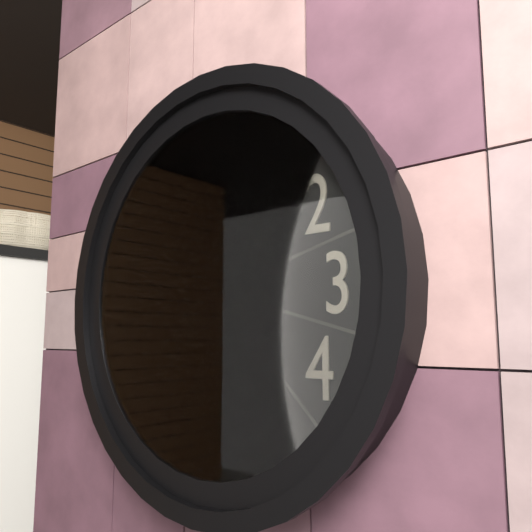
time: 11:31
